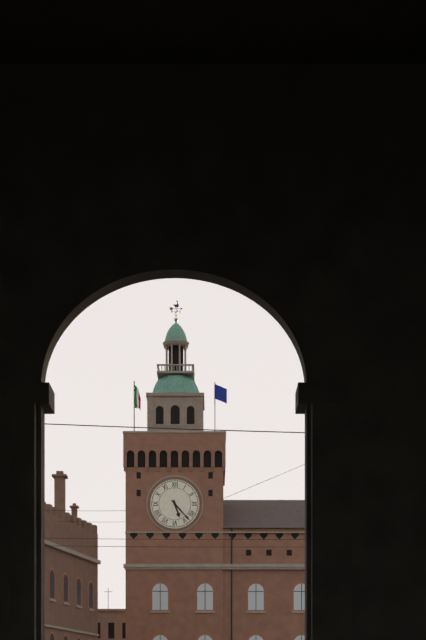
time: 5:23
